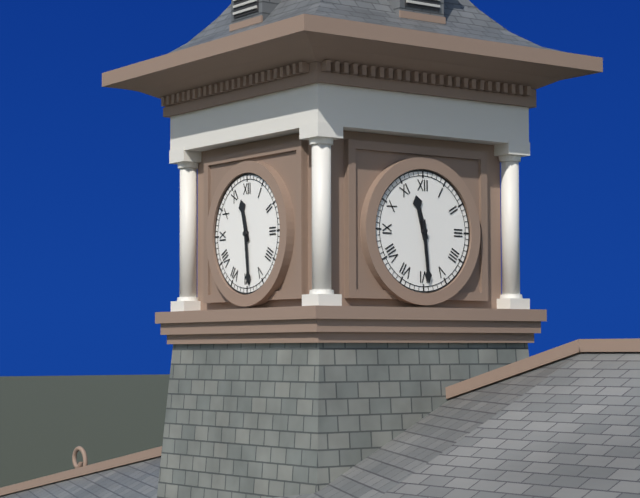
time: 11:29
